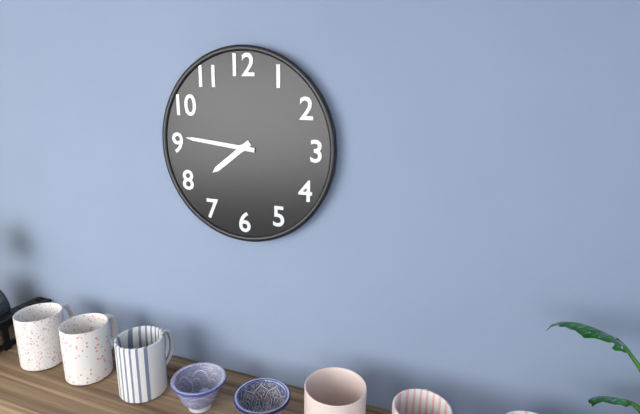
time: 7:46
